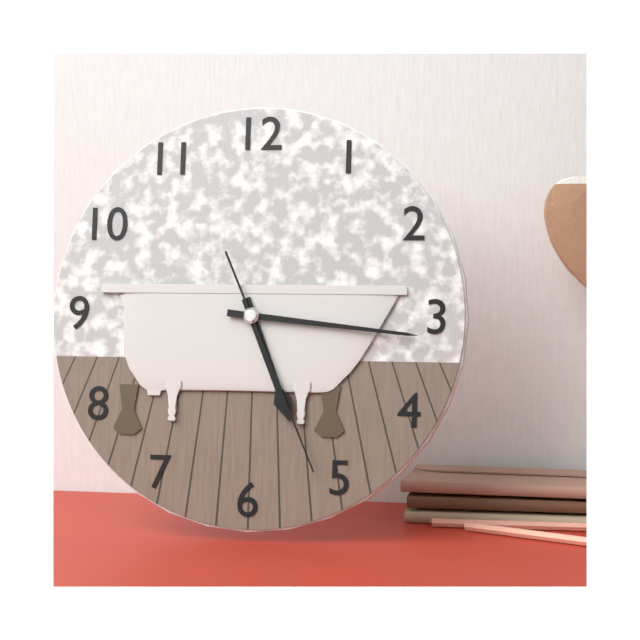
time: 5:16:26
